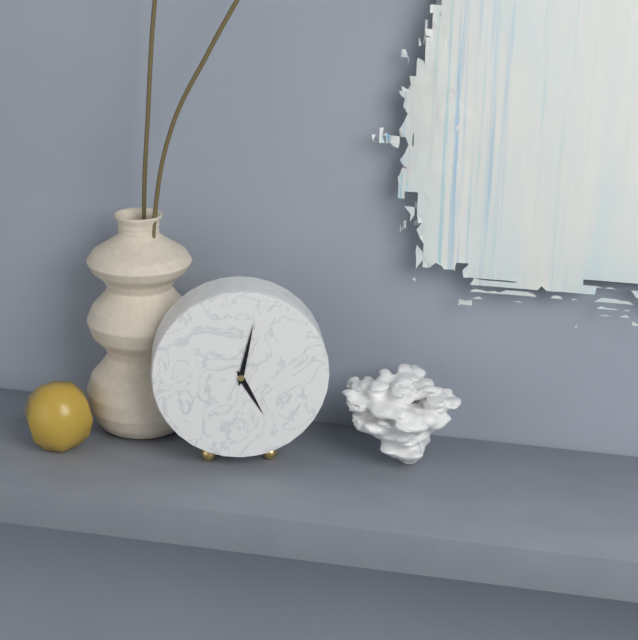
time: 5:02
